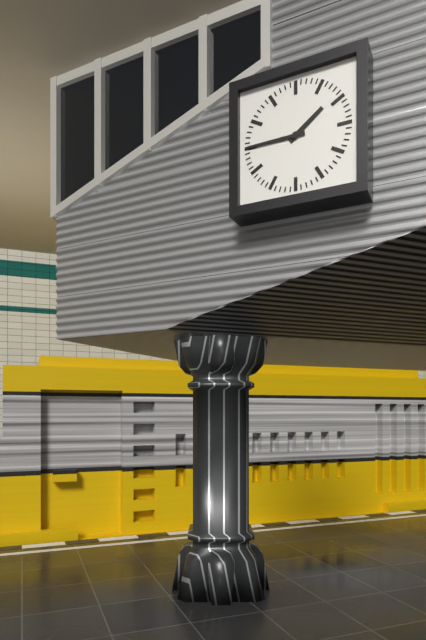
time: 1:45
